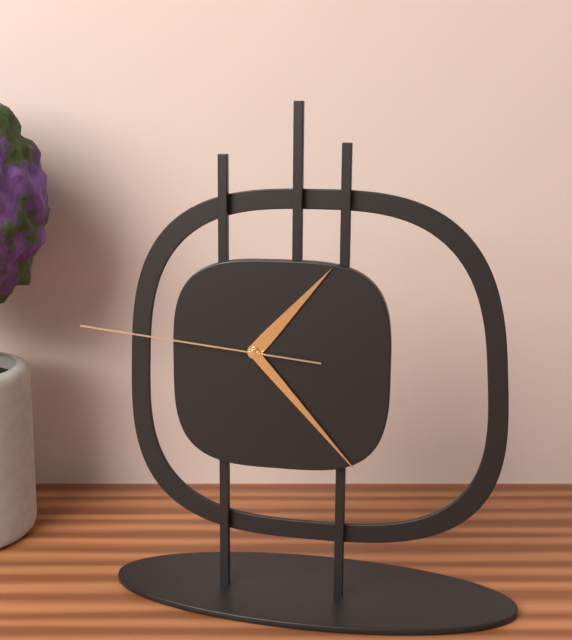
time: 1:23:46
